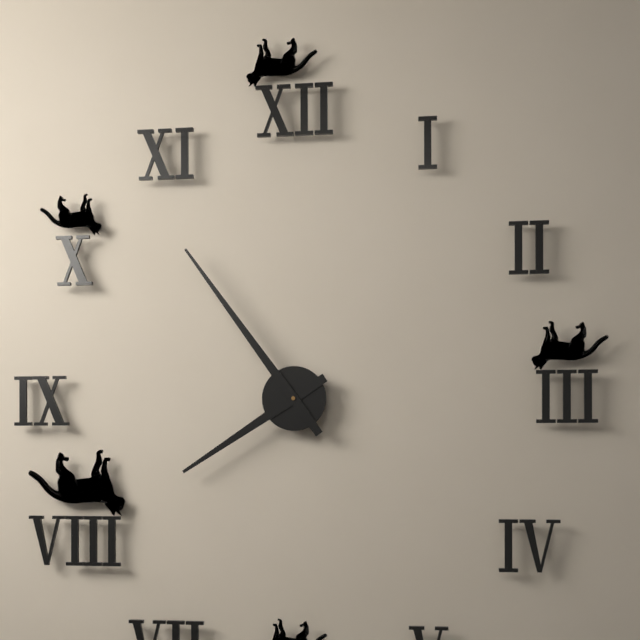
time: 7:54
